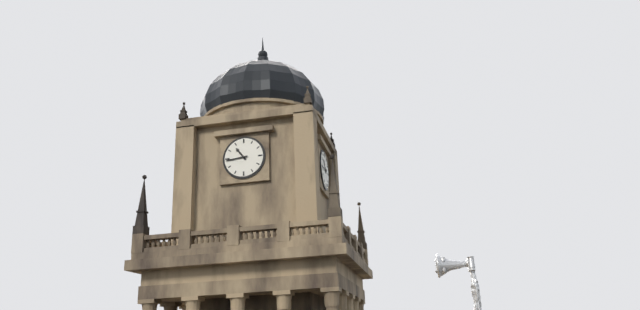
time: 10:44
